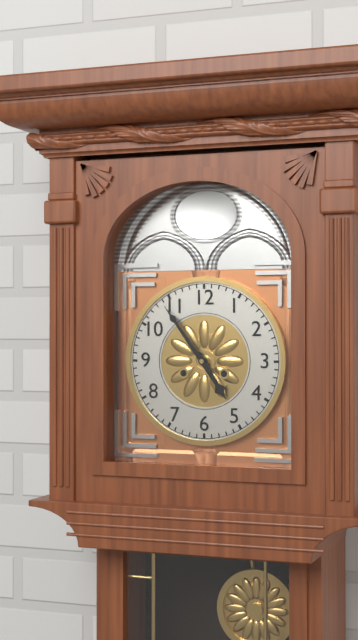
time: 4:54
